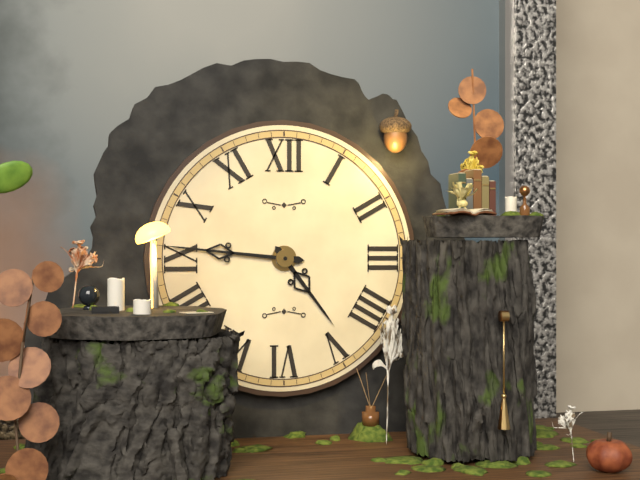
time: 4:46
